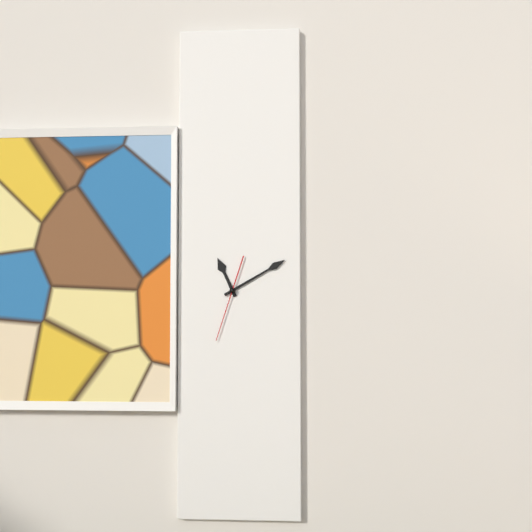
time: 11:10:33
